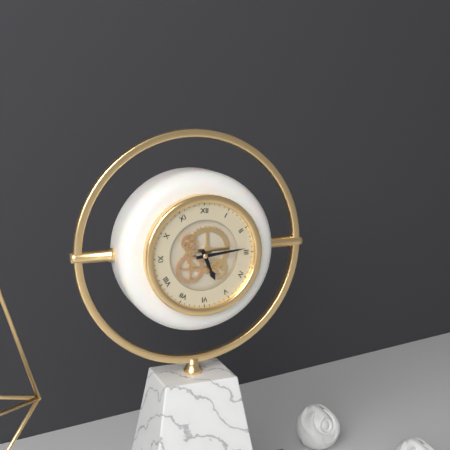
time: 5:14
